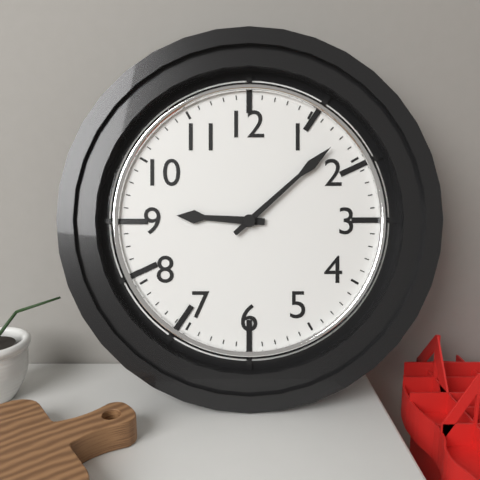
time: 9:08
